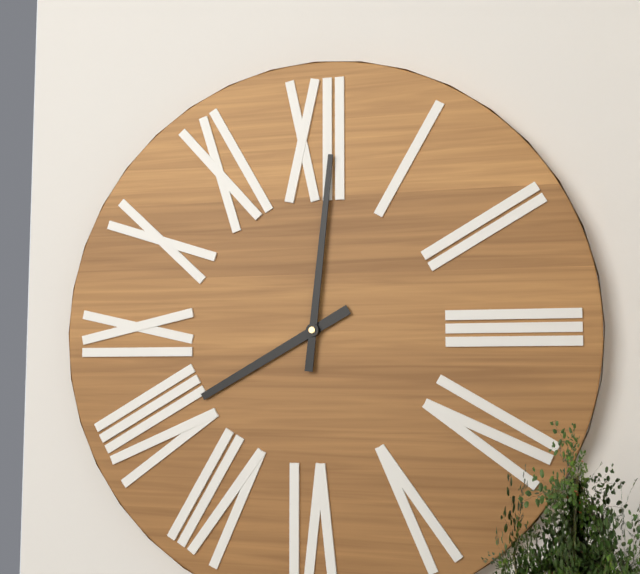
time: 8:01
